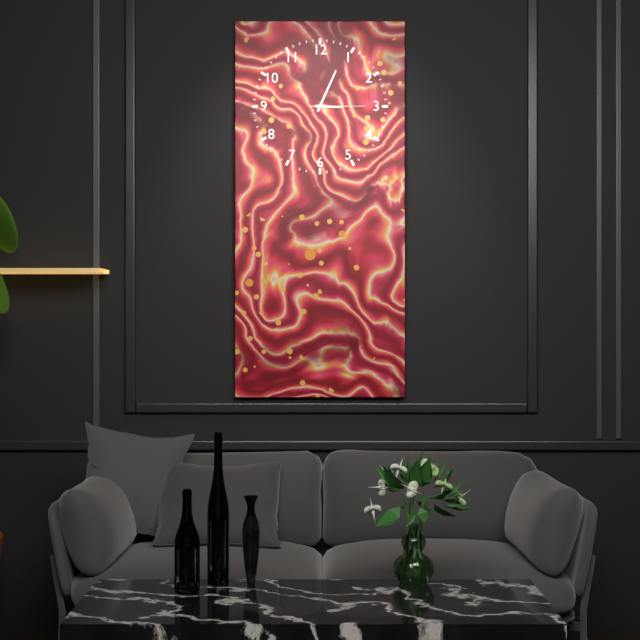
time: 3:04:15
